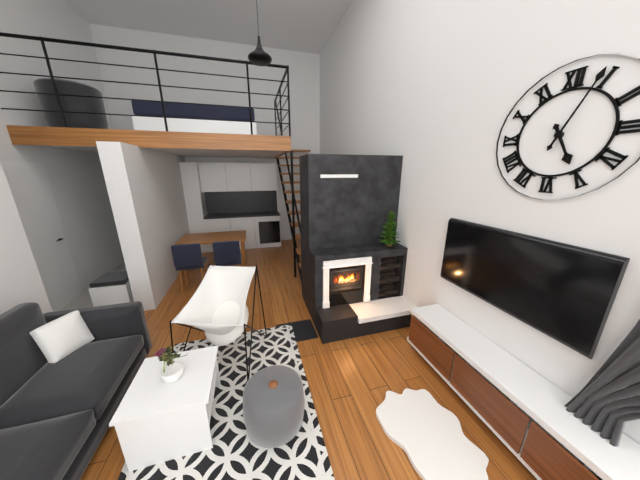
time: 5:04
